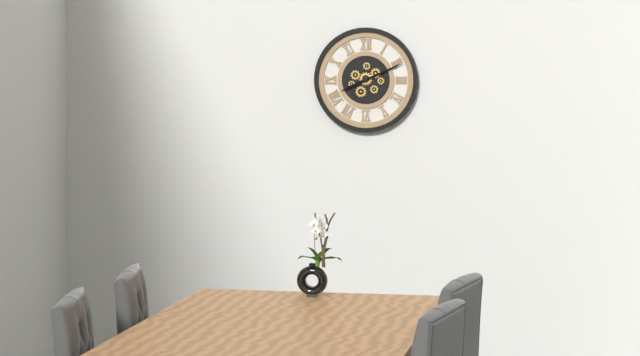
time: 8:11
